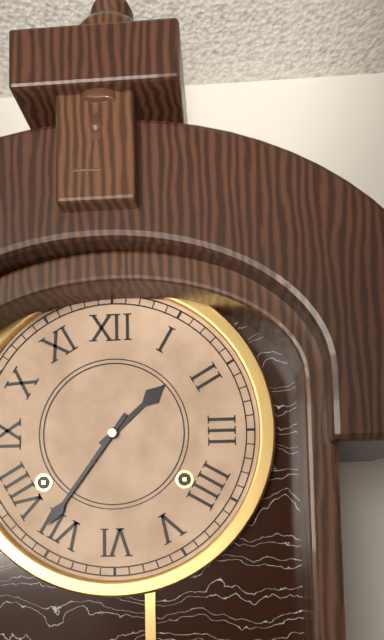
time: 1:36
